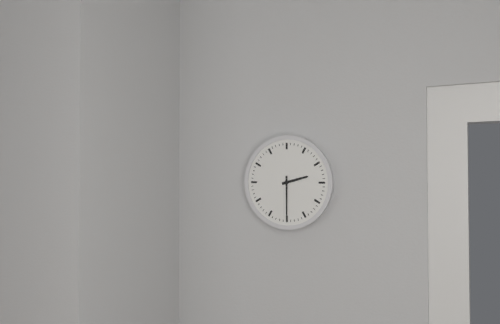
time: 2:30
